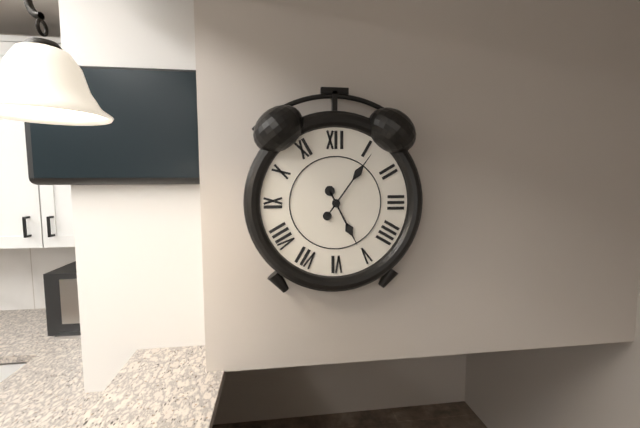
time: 5:06
